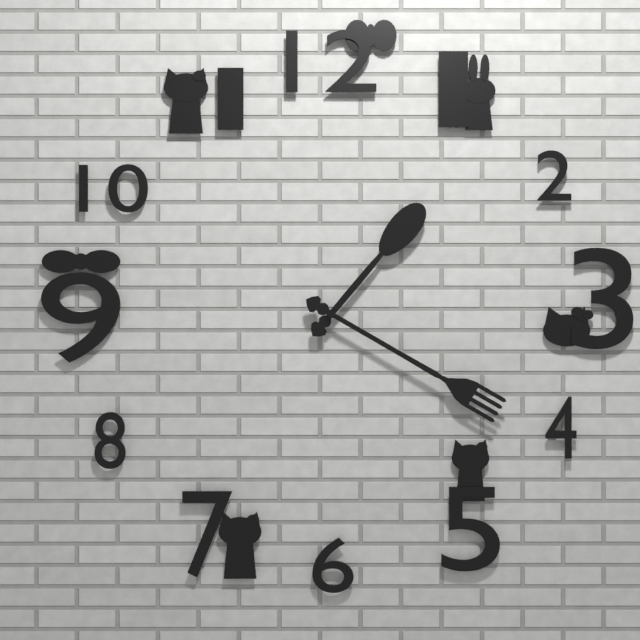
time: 1:20
